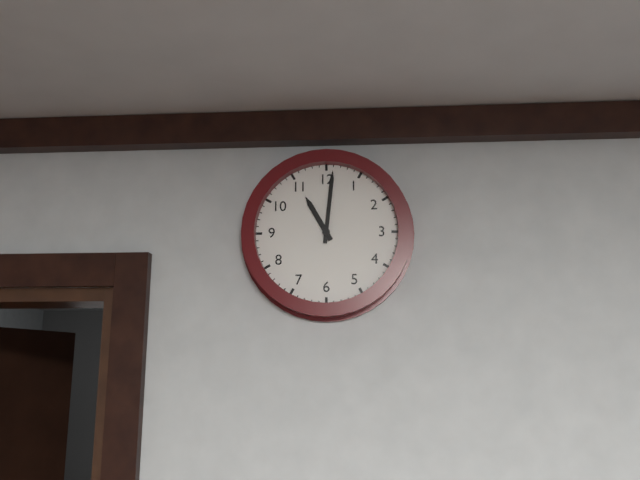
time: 11:01
